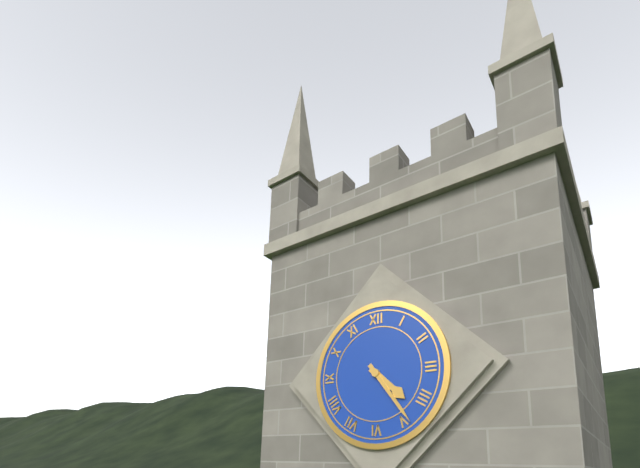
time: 4:24
